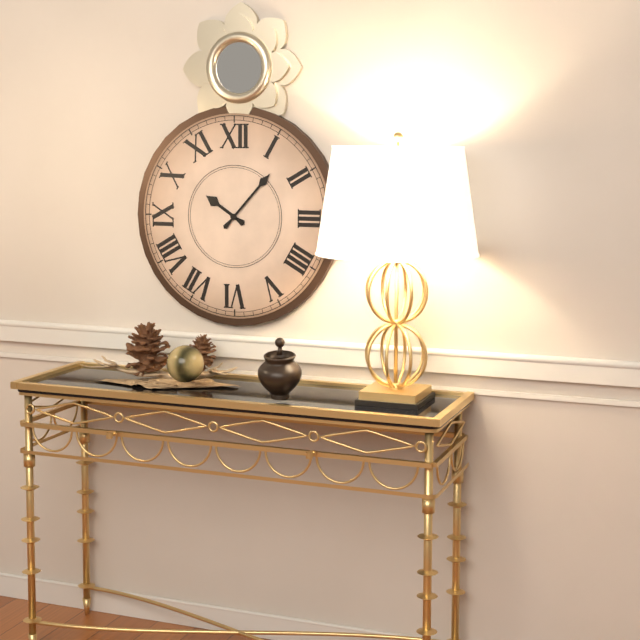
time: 10:07
